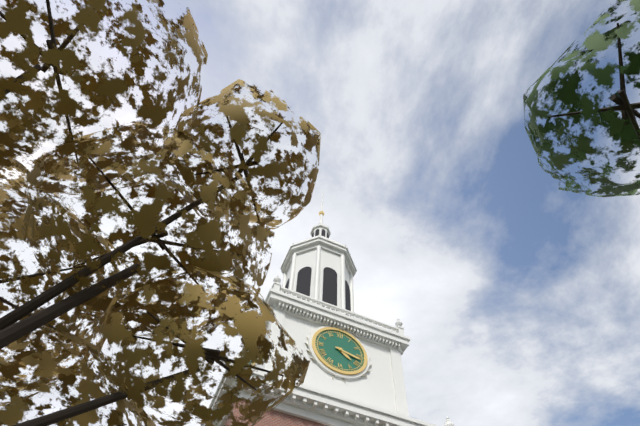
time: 4:17
